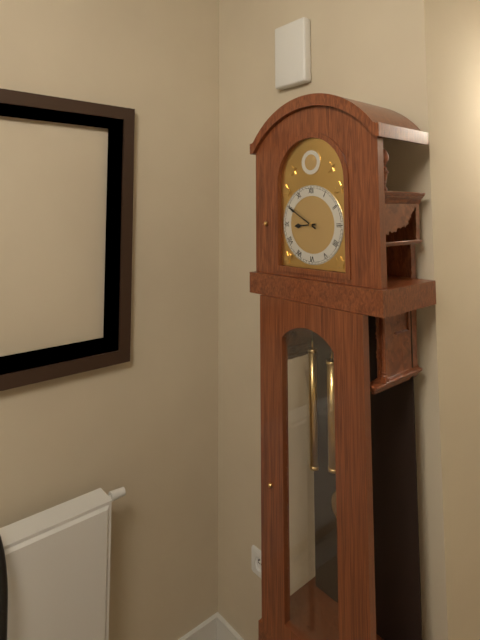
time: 8:50
